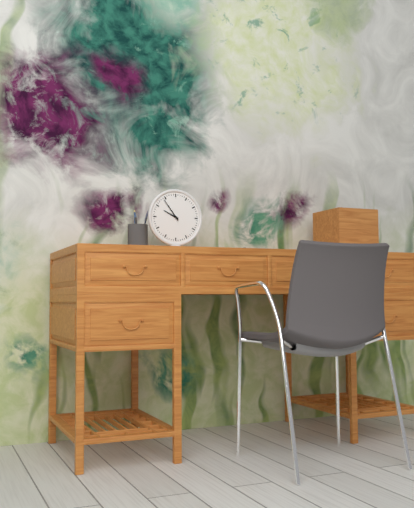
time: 9:54
